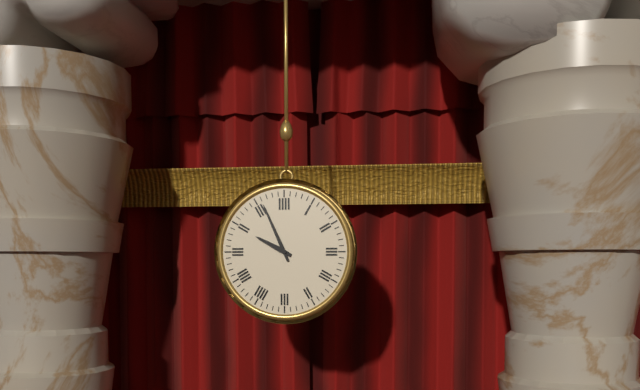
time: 9:56
